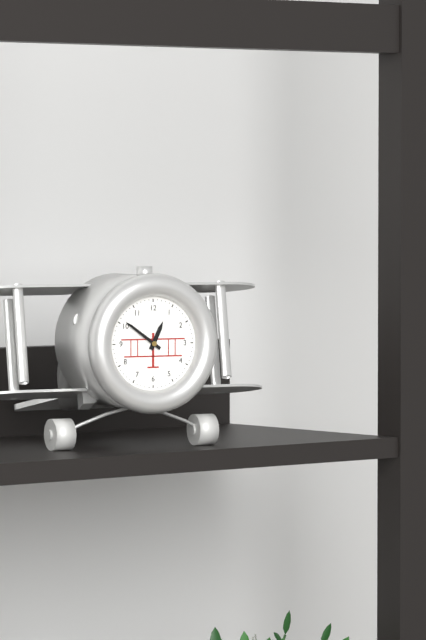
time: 12:51
